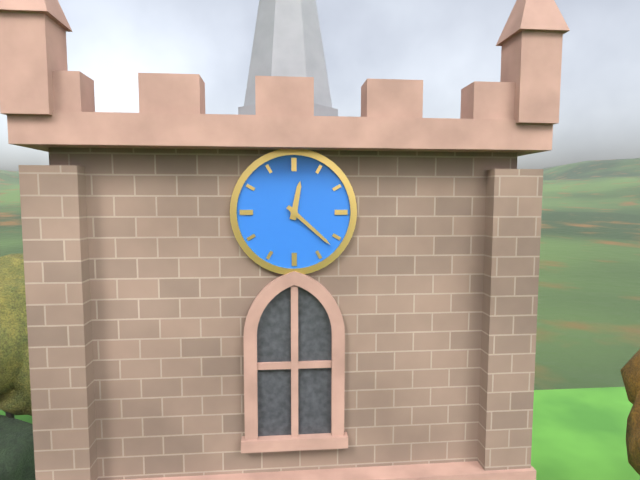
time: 12:22
